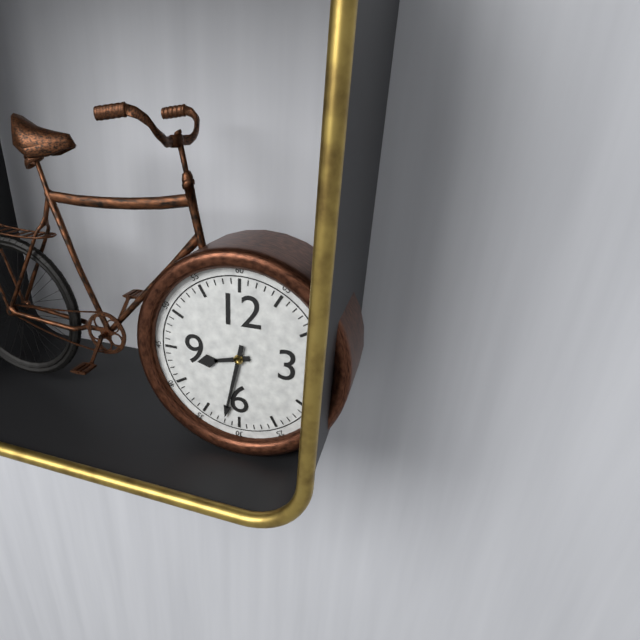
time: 8:32
